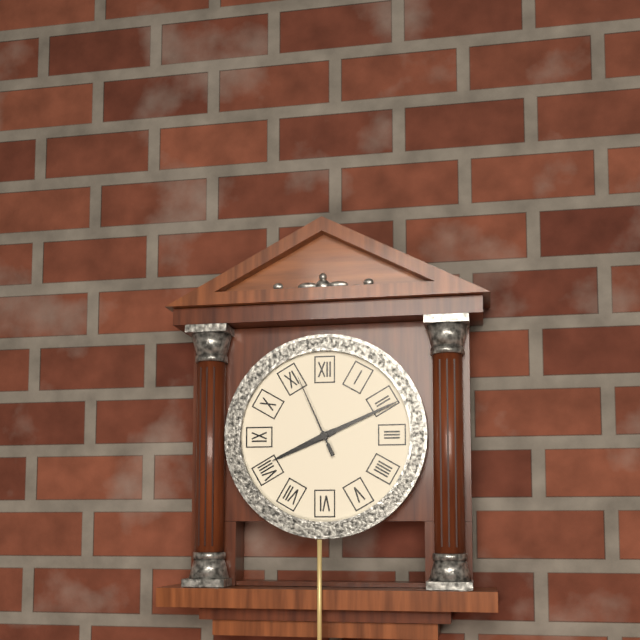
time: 8:11:56
